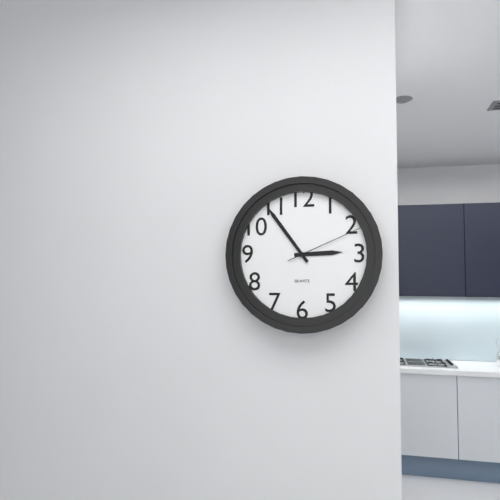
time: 2:54:11
